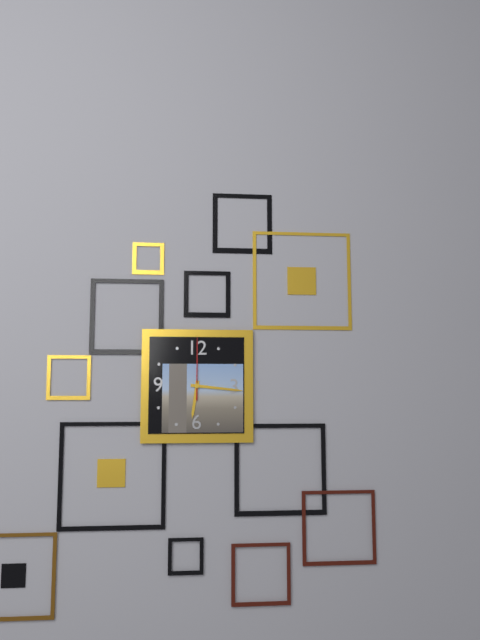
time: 6:16:00
